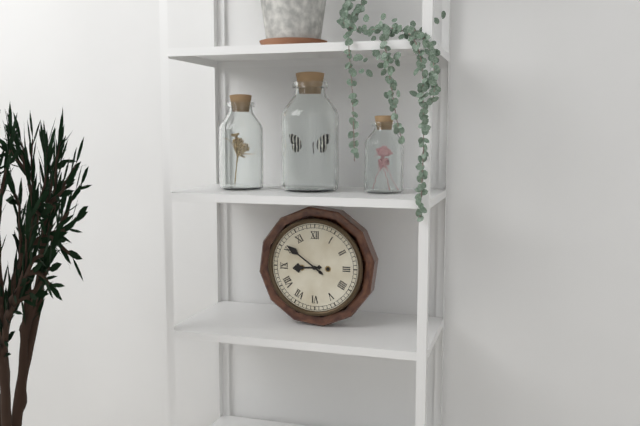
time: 8:51
